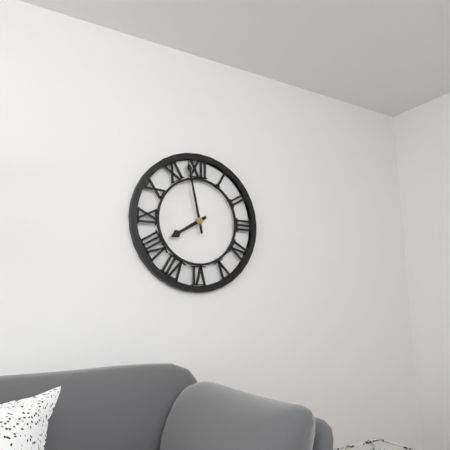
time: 7:58
